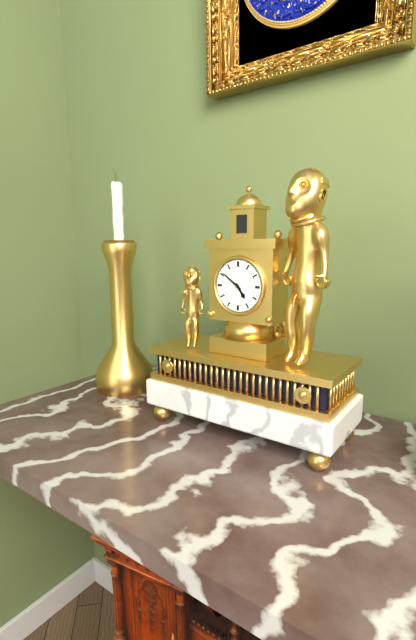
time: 4:51
